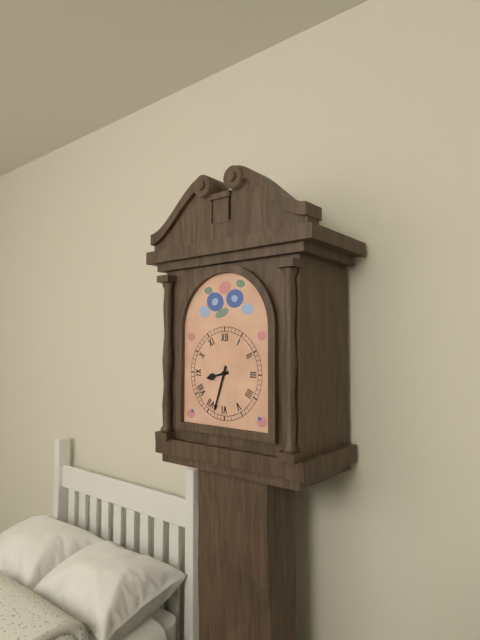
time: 8:33
